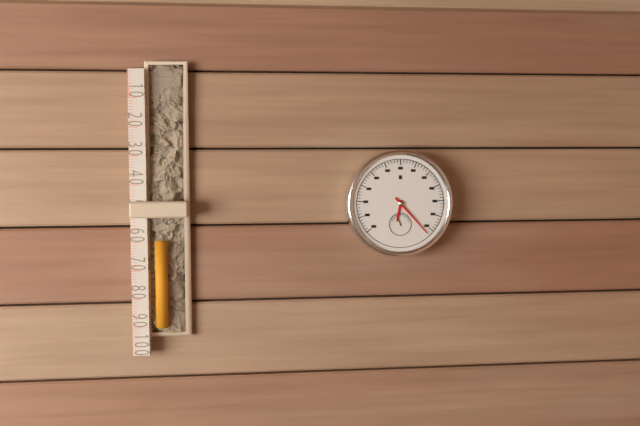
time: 6:23
